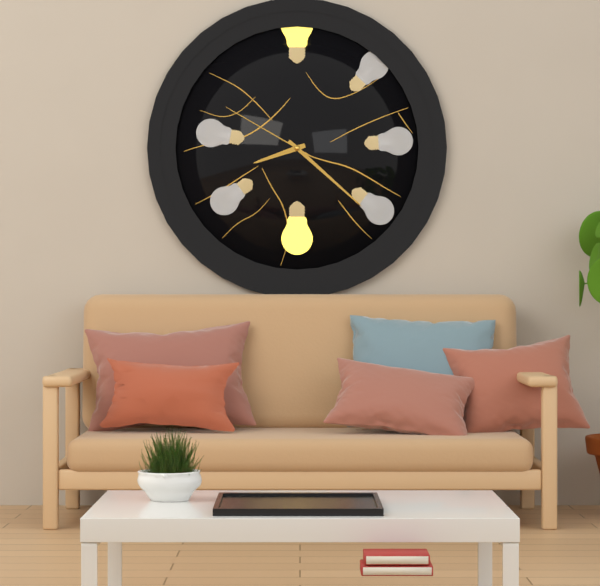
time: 8:22:50
